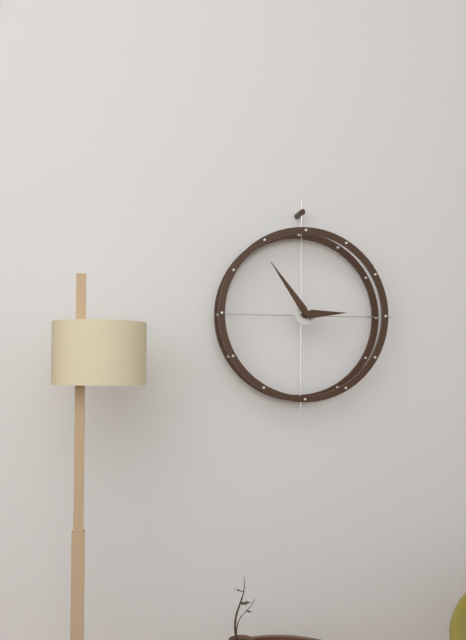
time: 2:54
